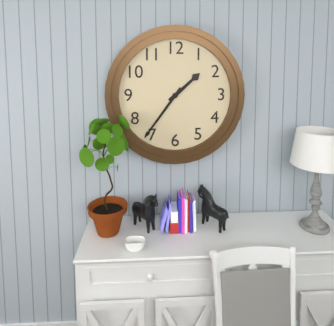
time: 1:36
